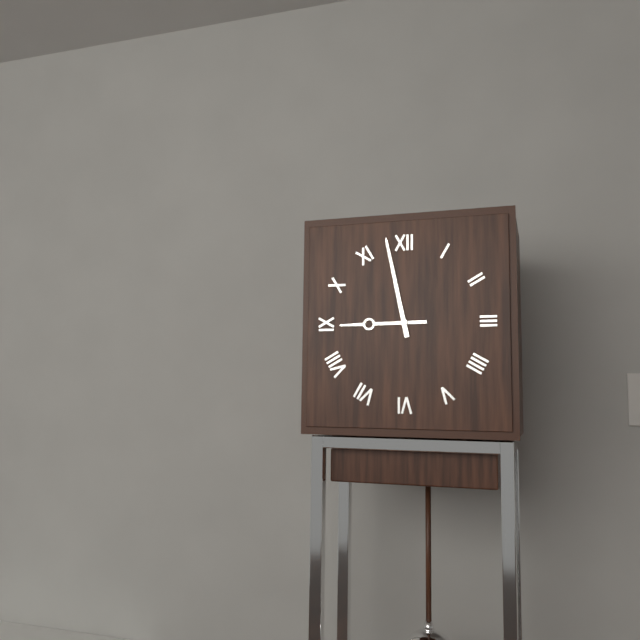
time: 8:58
